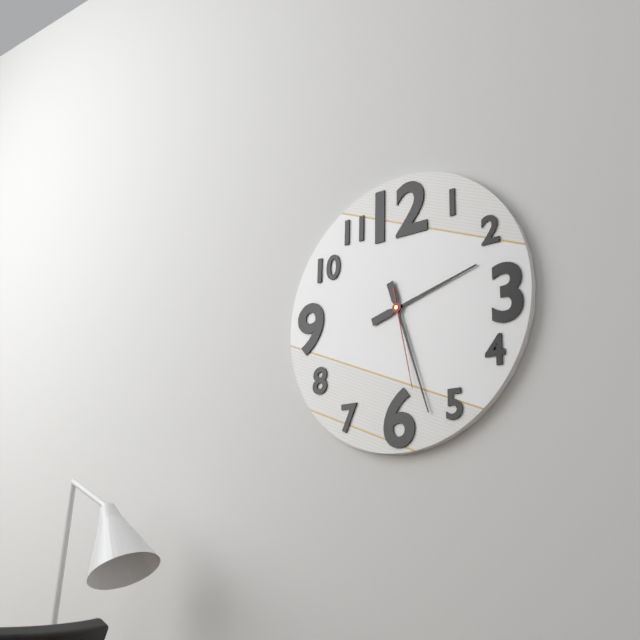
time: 2:27:28
